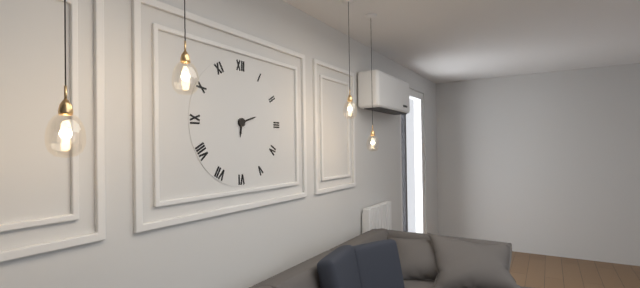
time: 6:12
